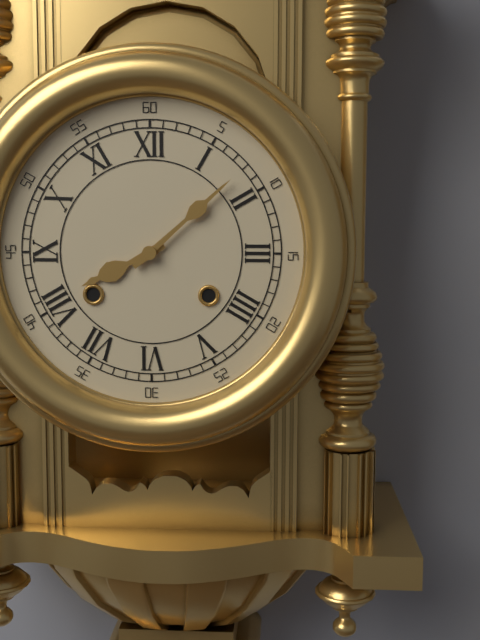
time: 8:08
